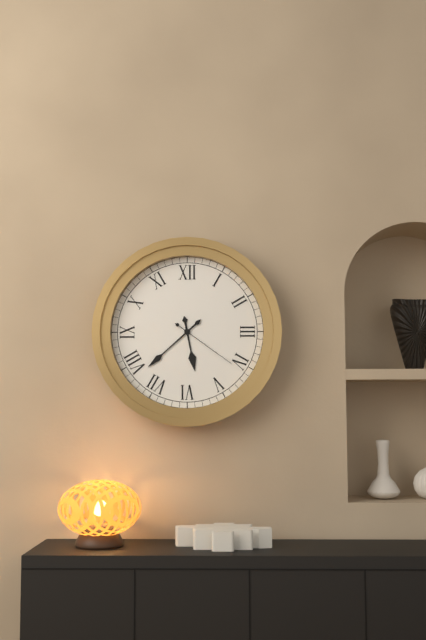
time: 5:38:21
